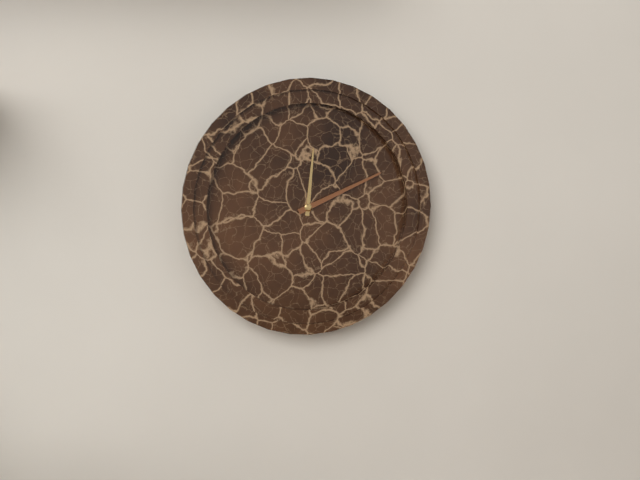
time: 12:11
